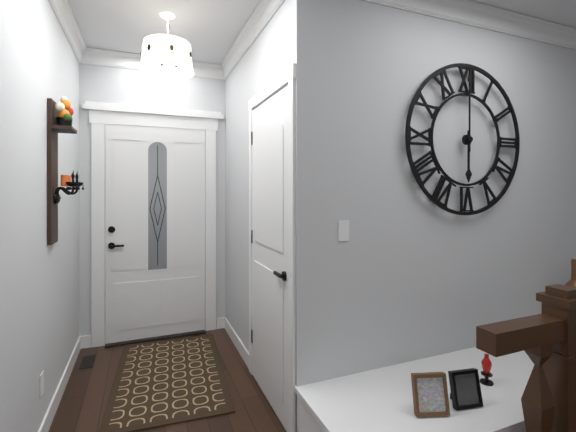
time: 6:00
